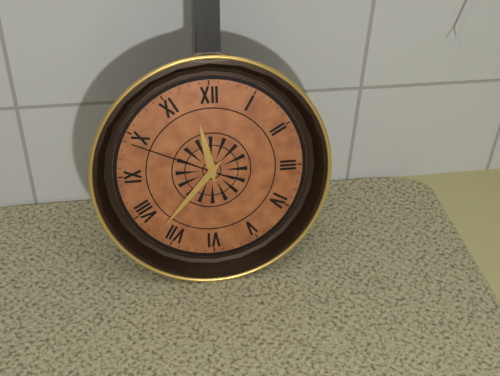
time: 11:37:49
